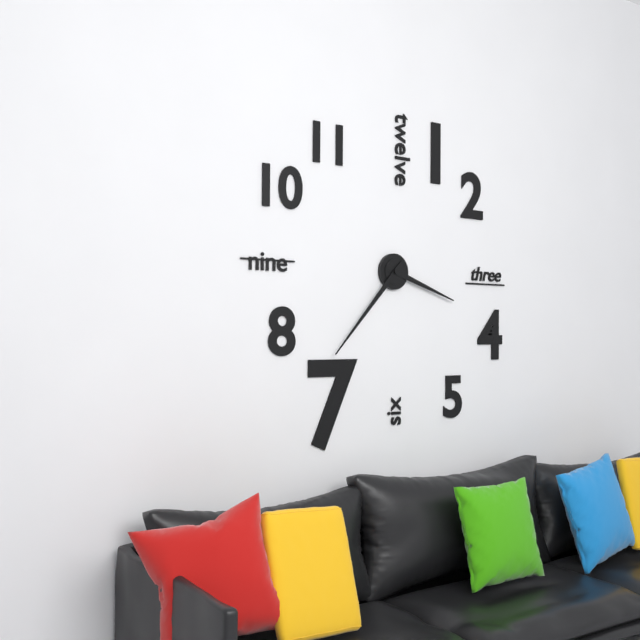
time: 3:37
